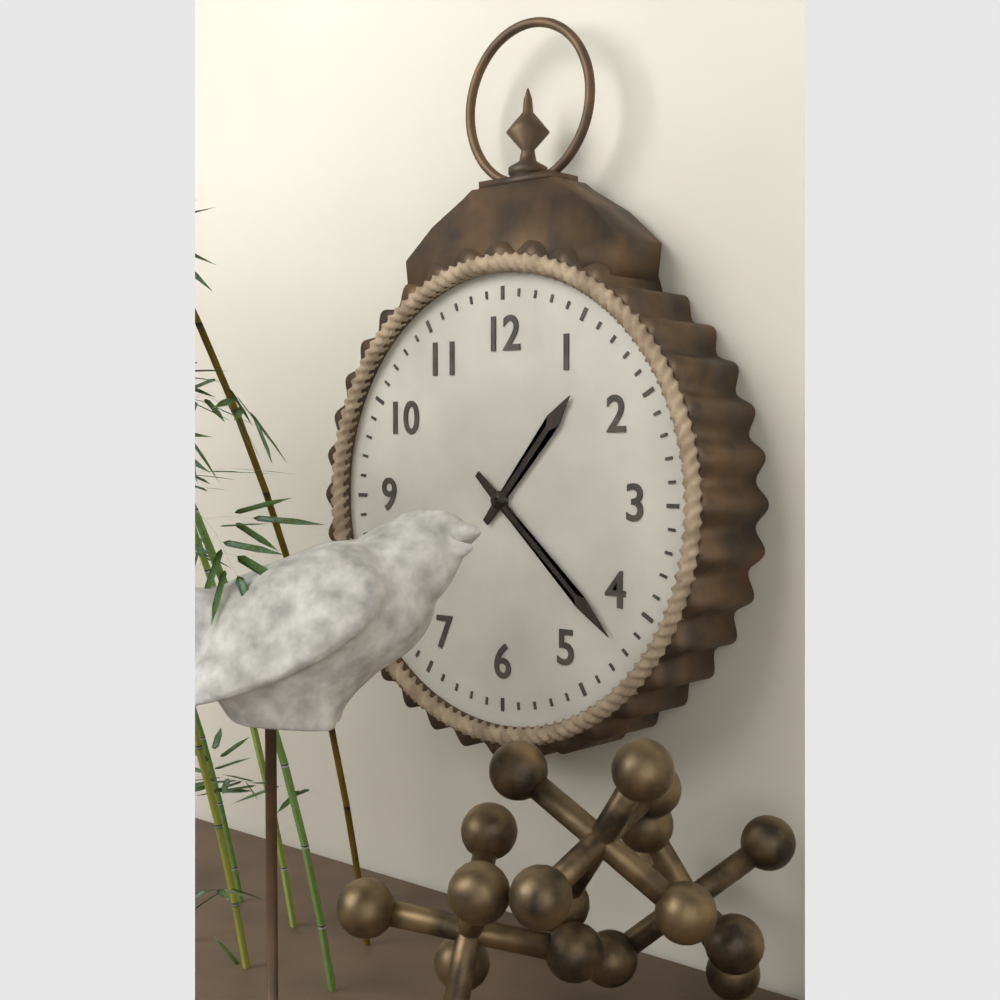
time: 1:22
